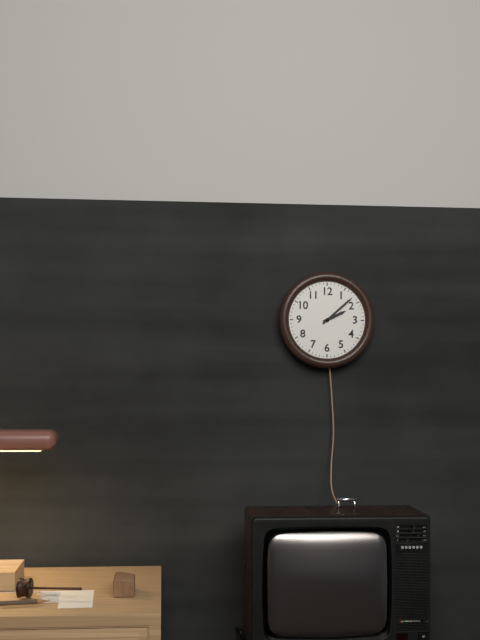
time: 2:08
